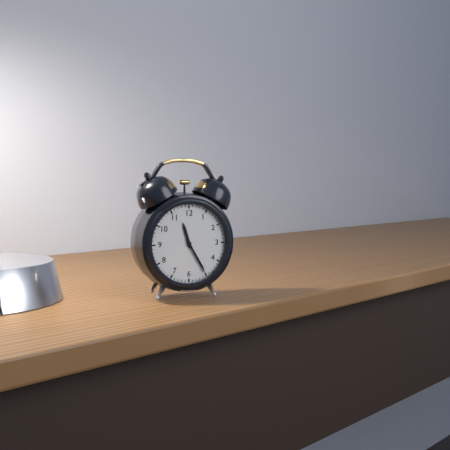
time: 11:25
